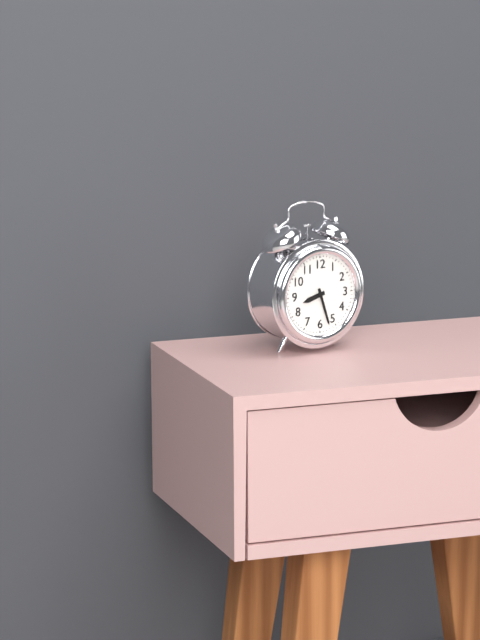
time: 8:27
